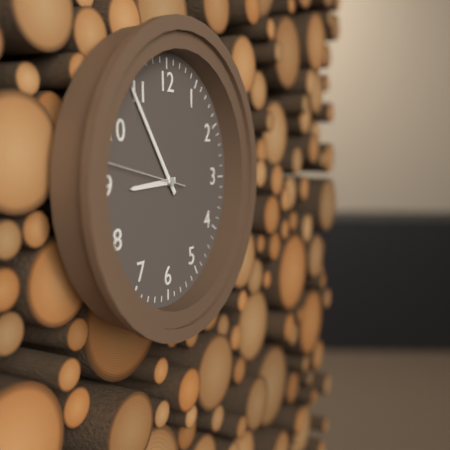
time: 8:54:47
